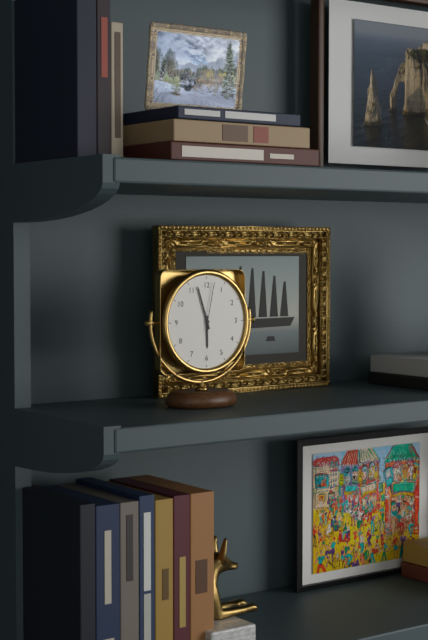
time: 5:57:02
